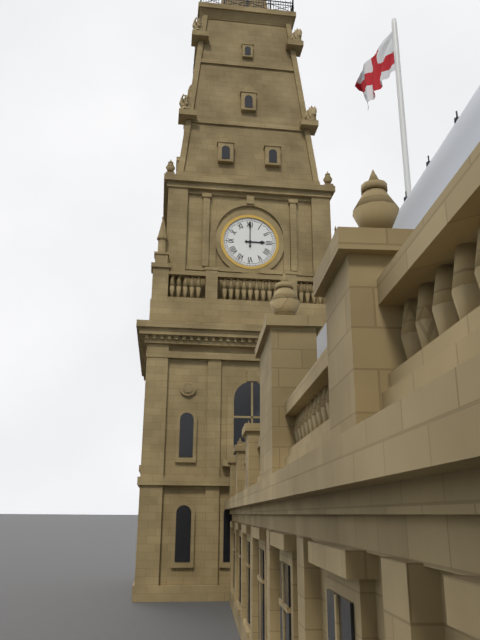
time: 3:00
